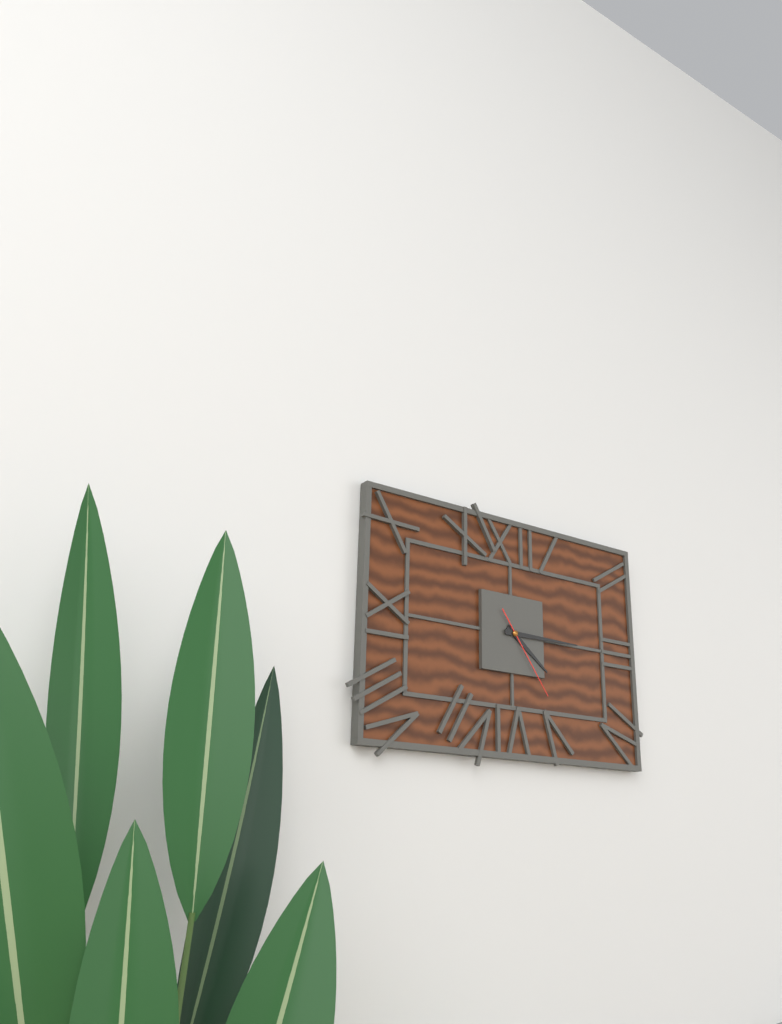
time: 4:15:24
